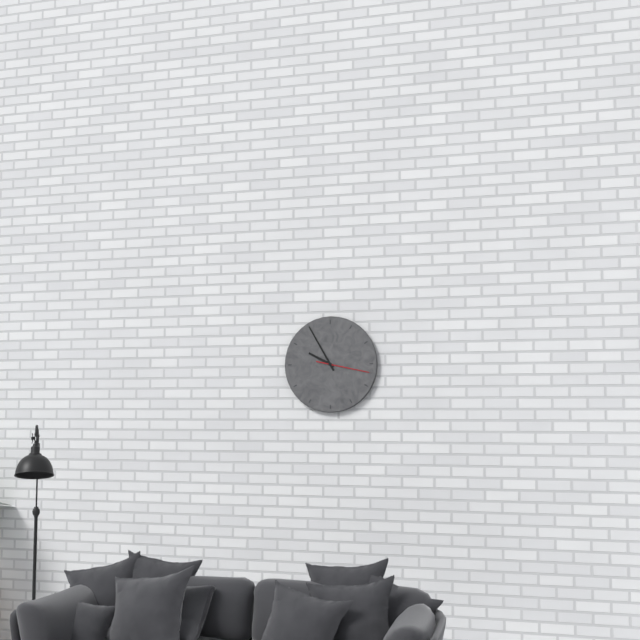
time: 9:55
